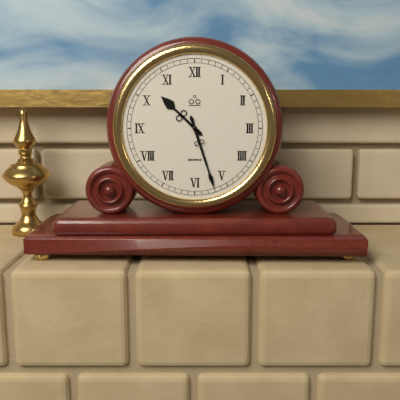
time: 10:27
